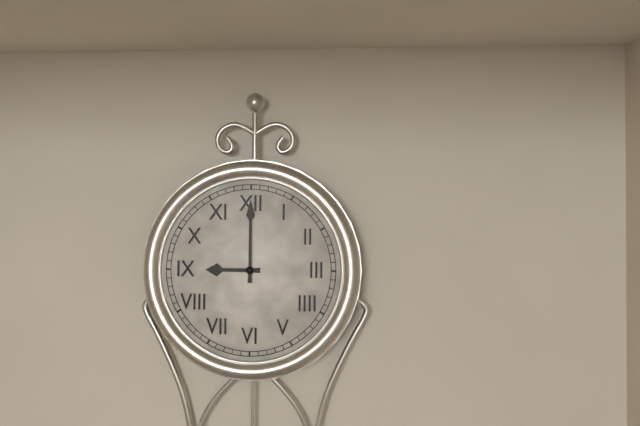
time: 9:00
